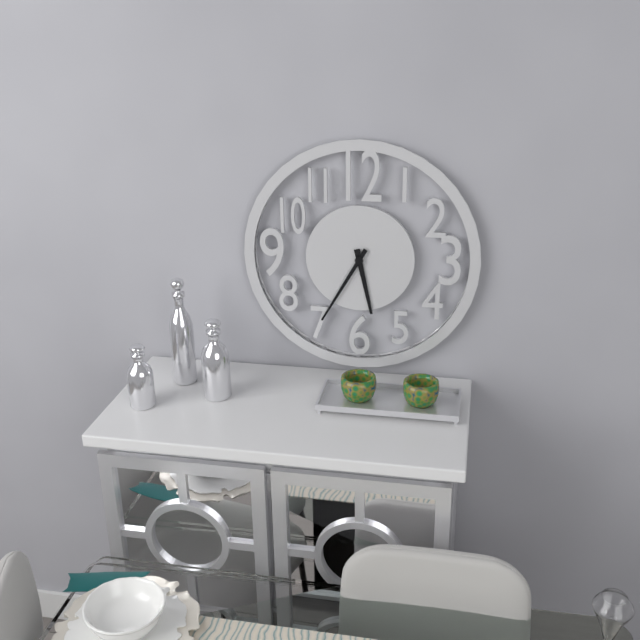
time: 5:35
